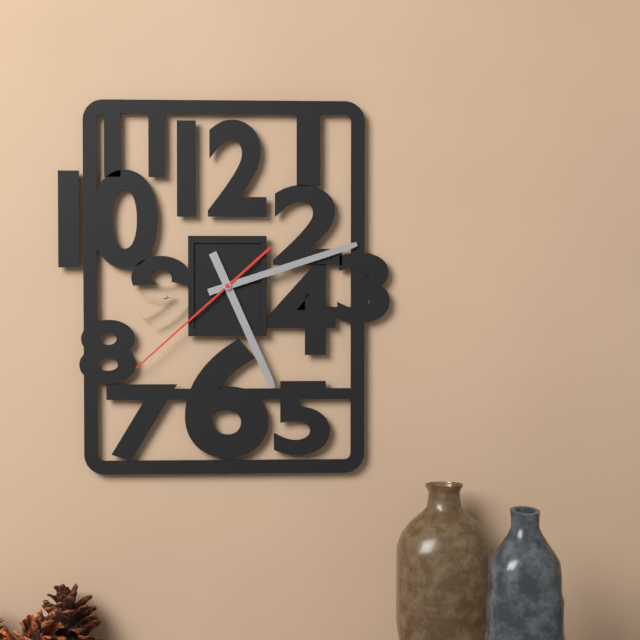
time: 5:12:38
